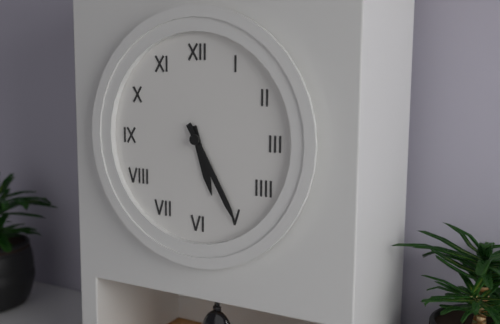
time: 5:25
